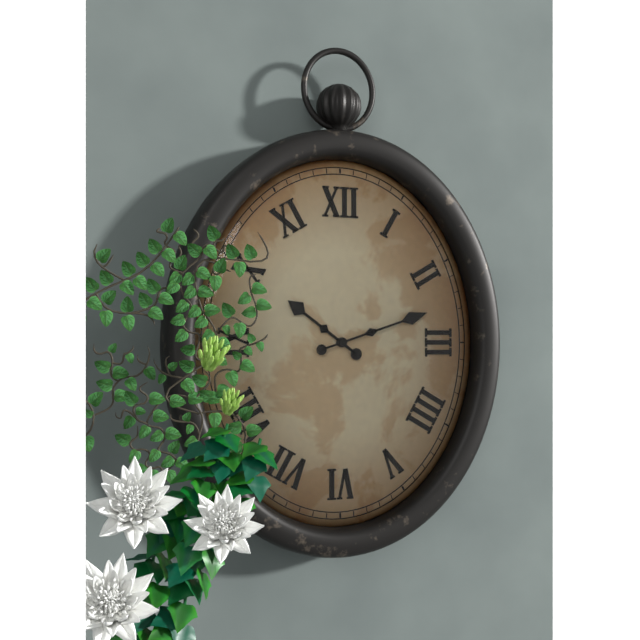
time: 10:12
